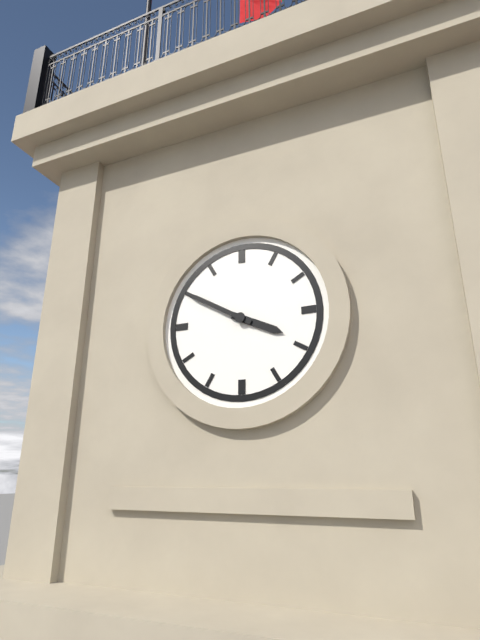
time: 3:50
